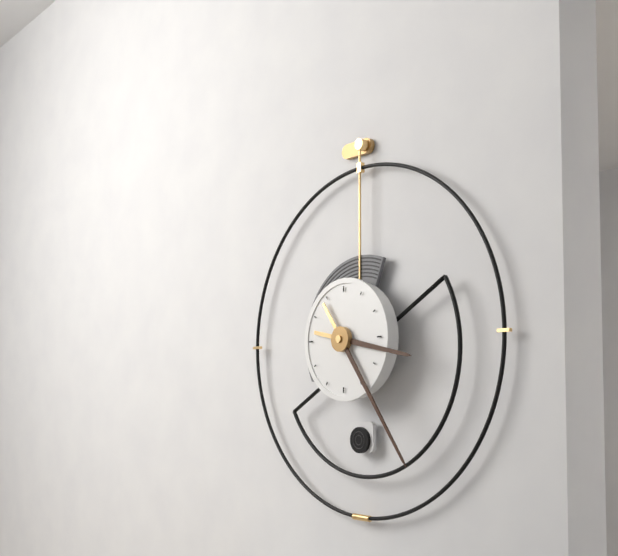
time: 3:24
